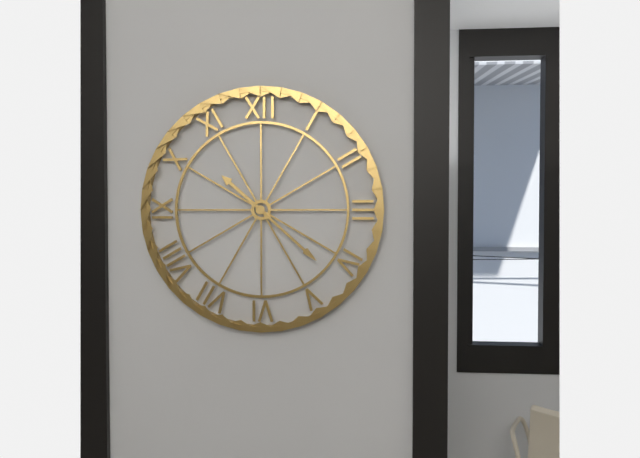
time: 10:22
